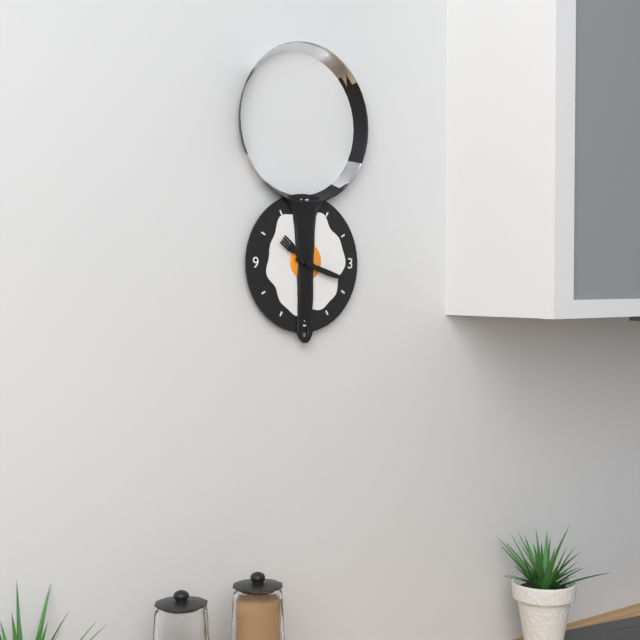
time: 10:18
